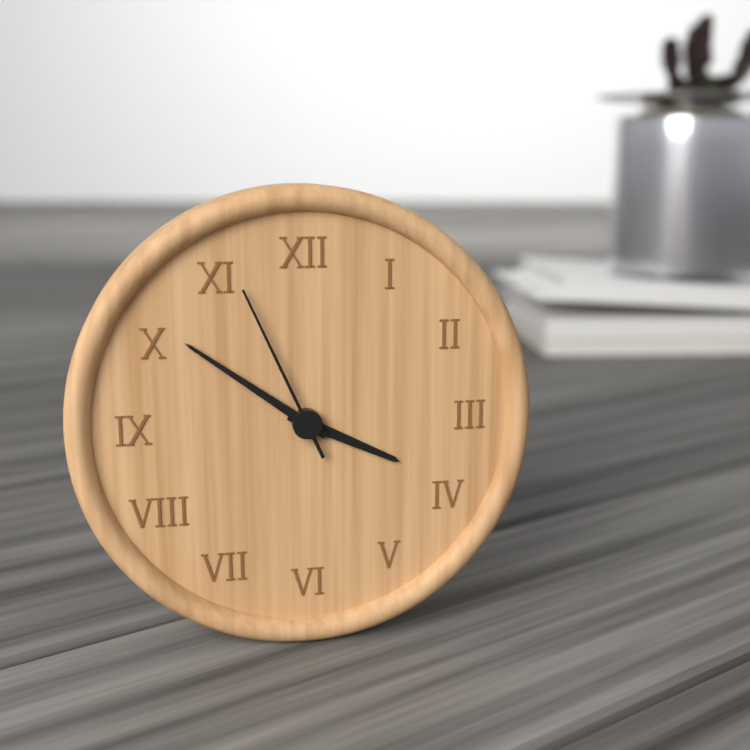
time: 3:51:56
